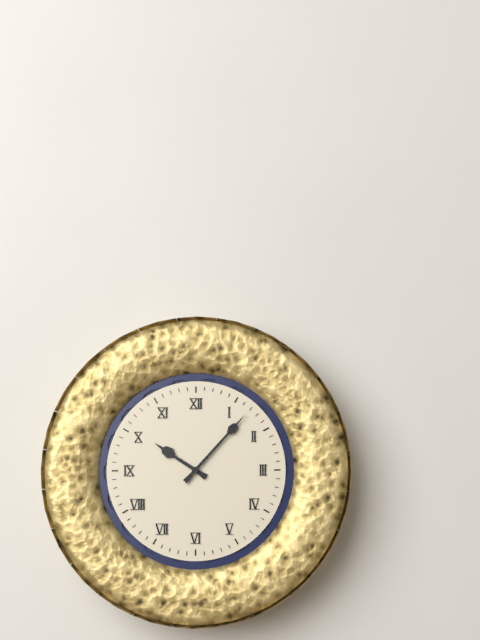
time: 10:07
